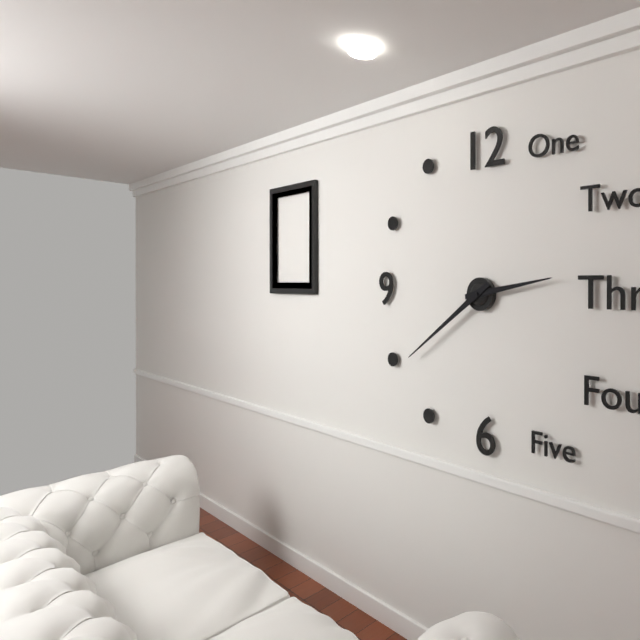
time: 2:39
